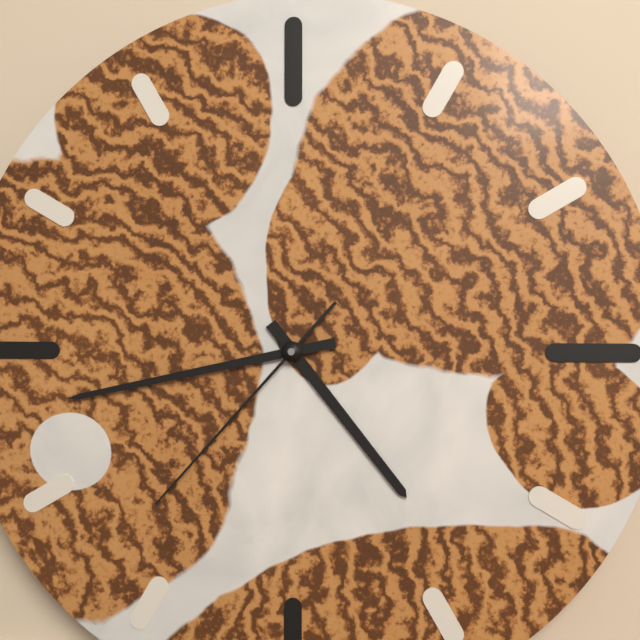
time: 4:43:37
